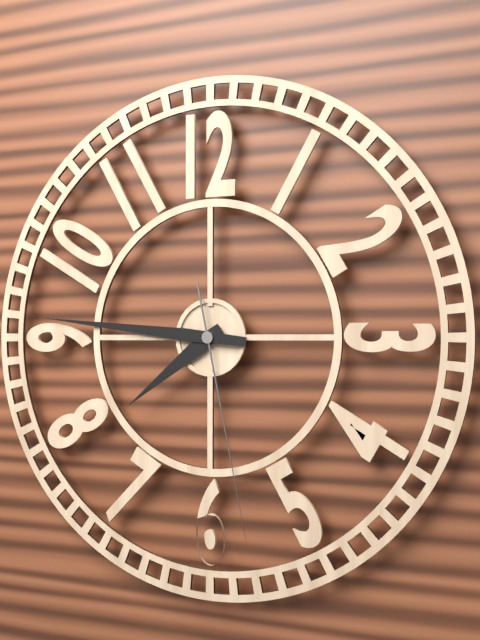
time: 7:46:28
